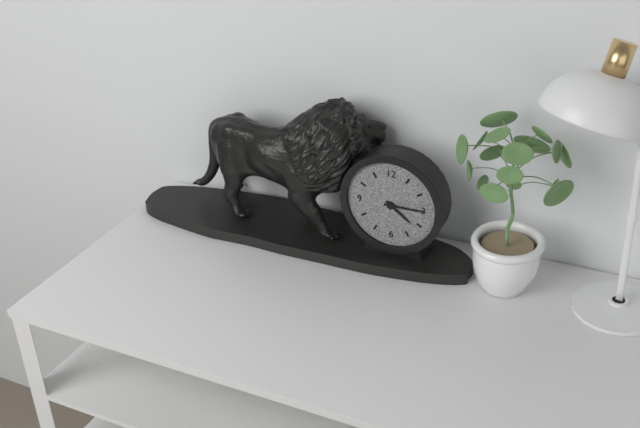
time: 4:15
